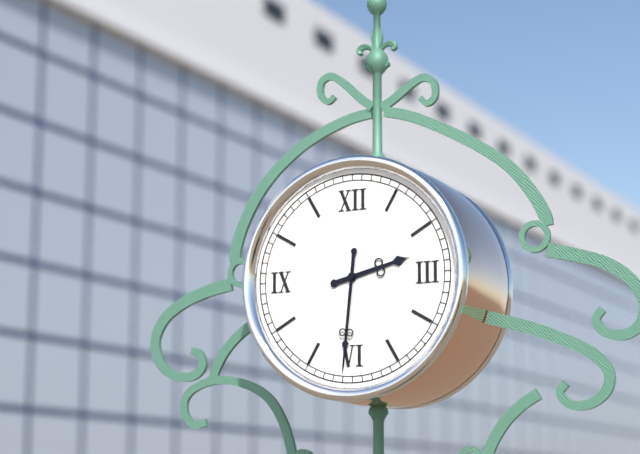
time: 2:31
